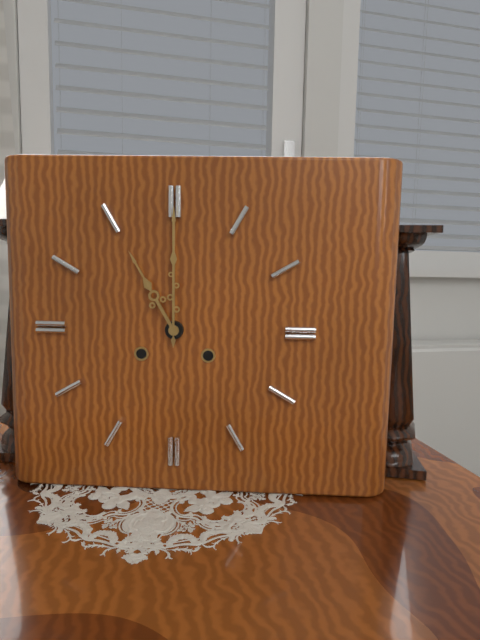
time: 11:00
